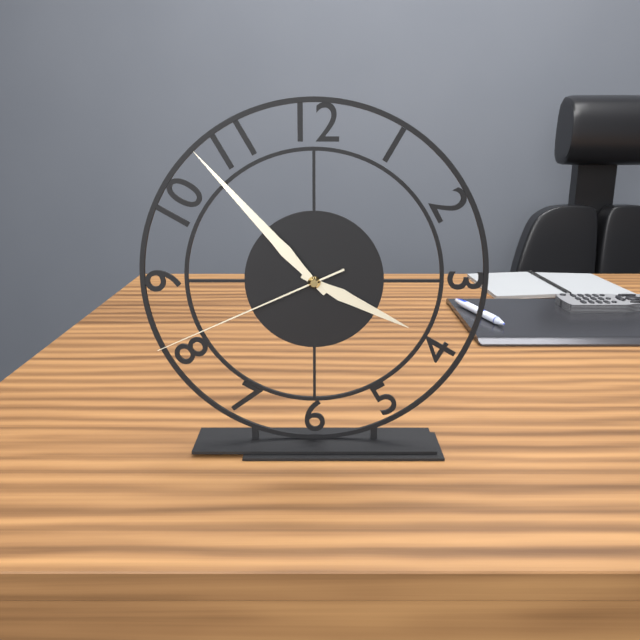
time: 3:53:41
